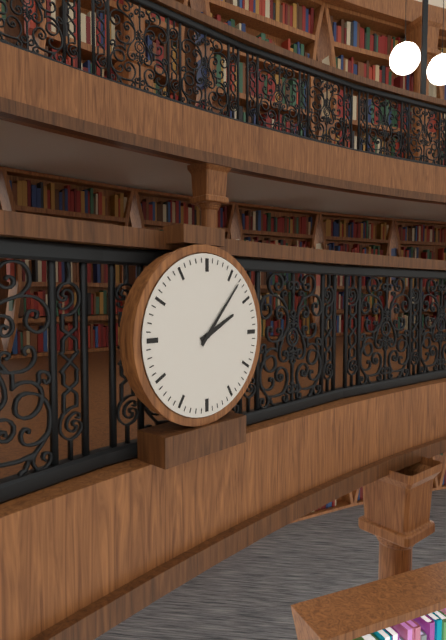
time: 2:07
